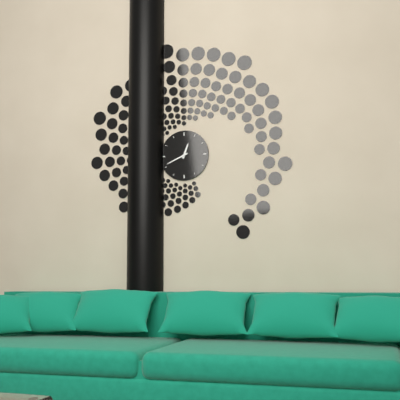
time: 12:41
